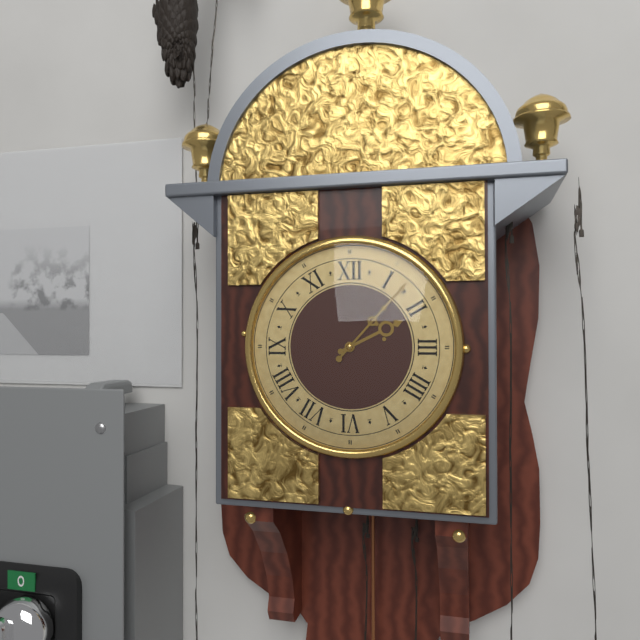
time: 2:07
